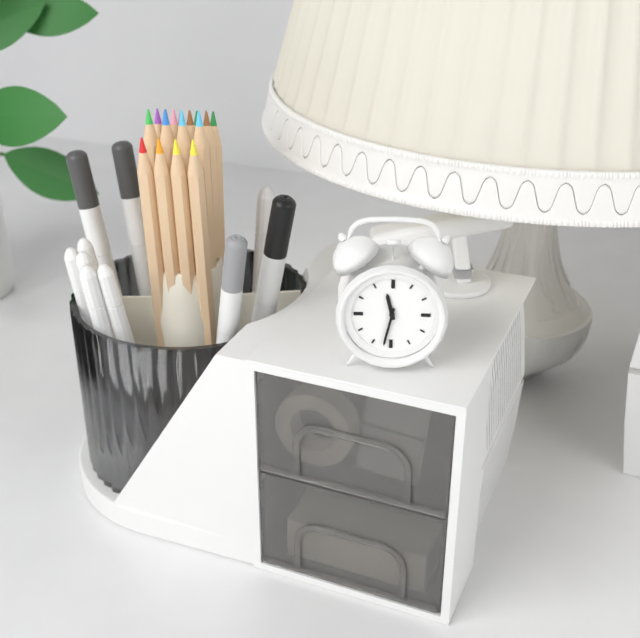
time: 11:32
